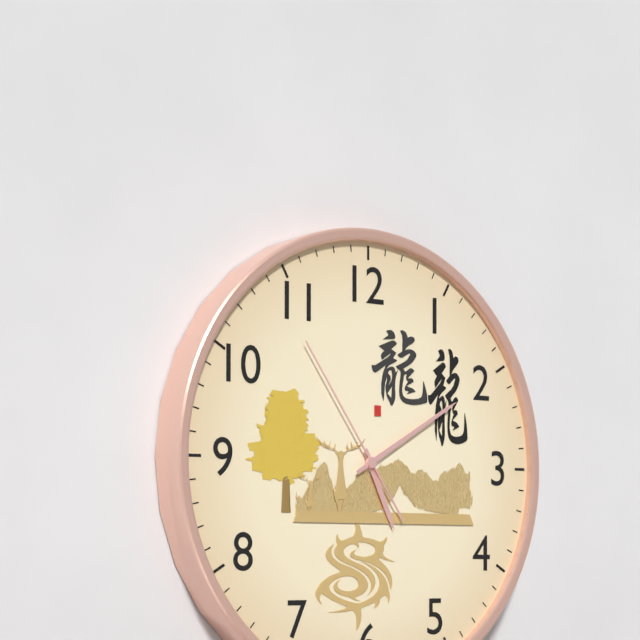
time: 5:10:54
